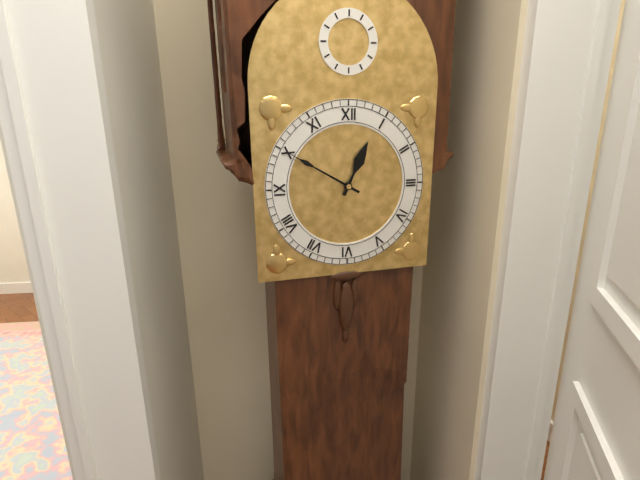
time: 12:50
